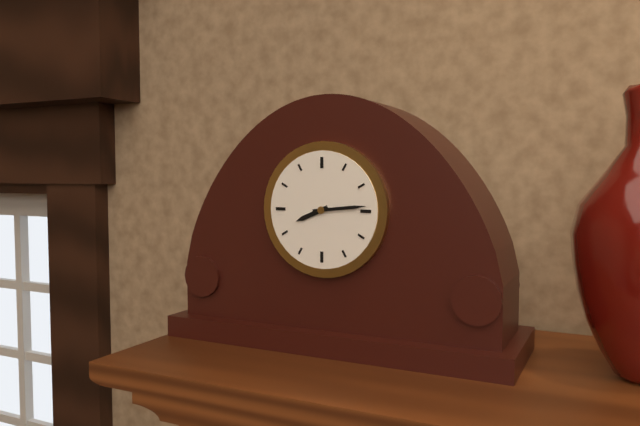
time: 8:14
